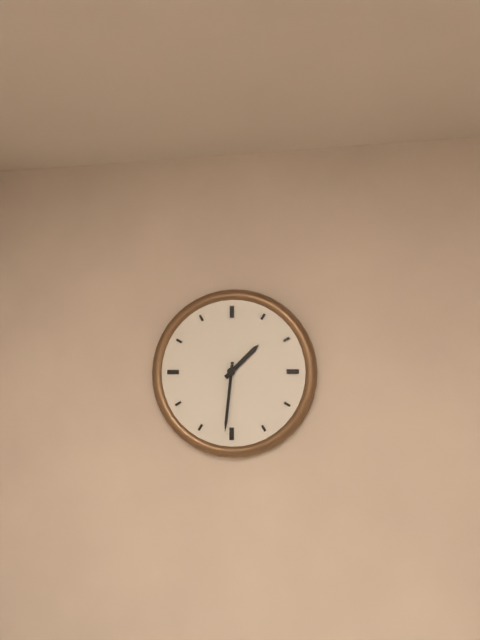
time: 1:31
